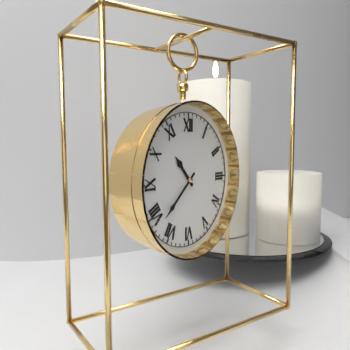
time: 10:38
